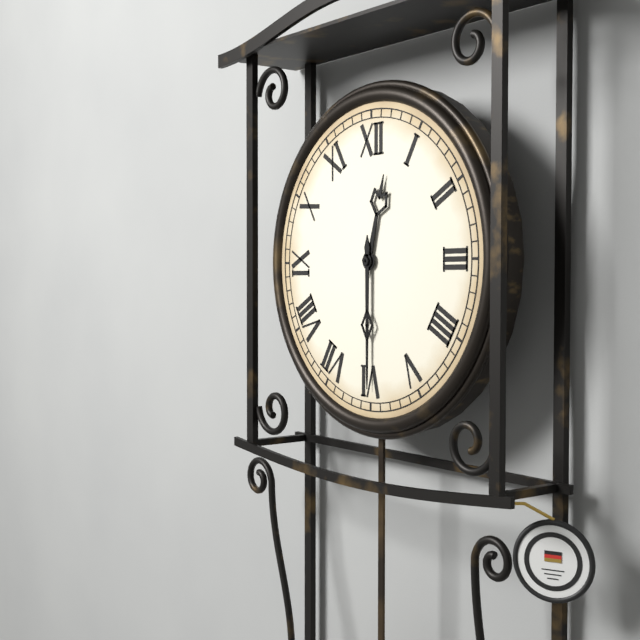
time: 12:30
